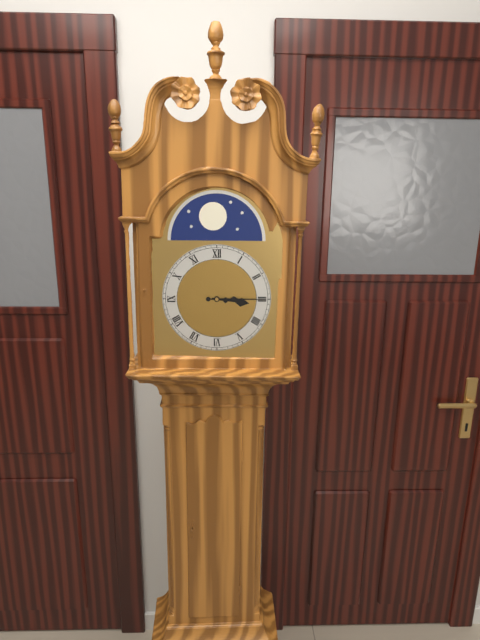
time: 3:15
